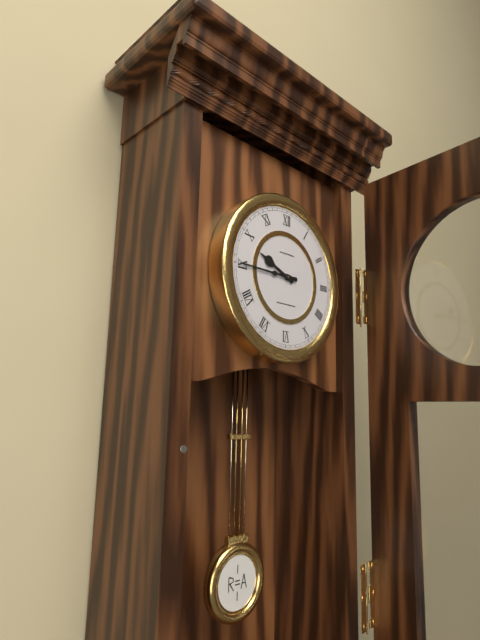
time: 9:45
